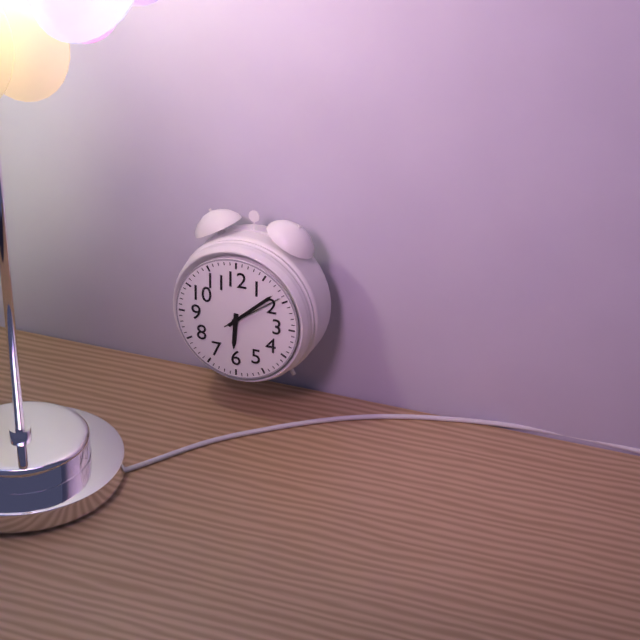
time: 6:08:09
